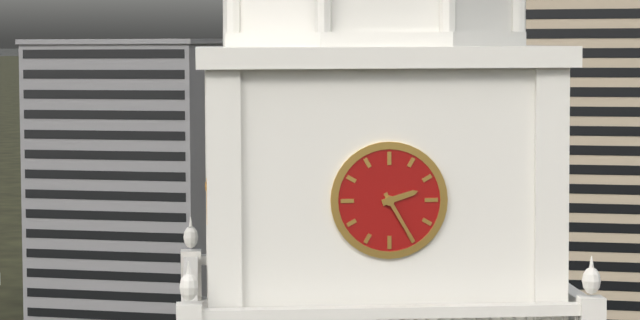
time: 2:25
